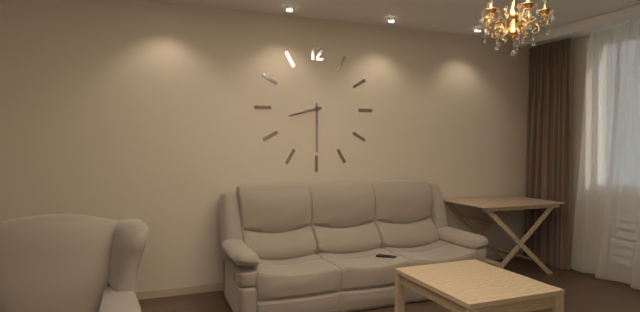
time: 8:30
